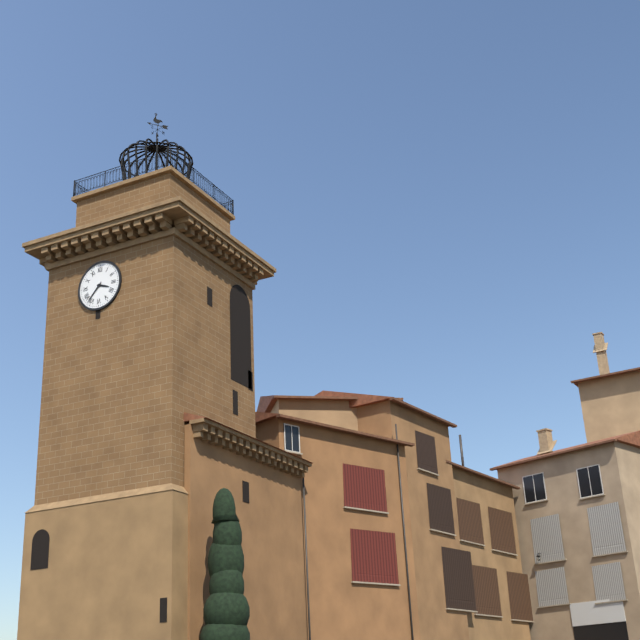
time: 3:37
